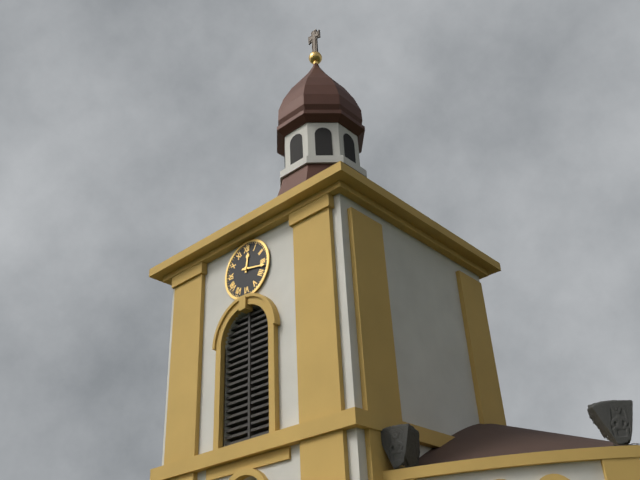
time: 12:17
